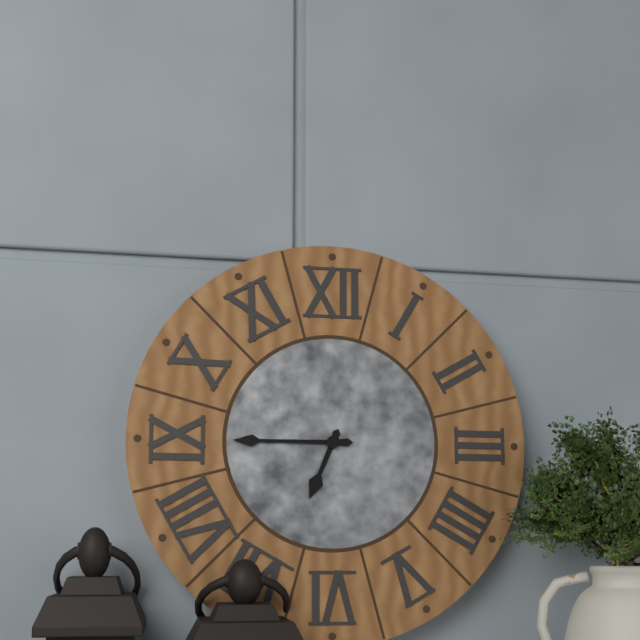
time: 6:45
